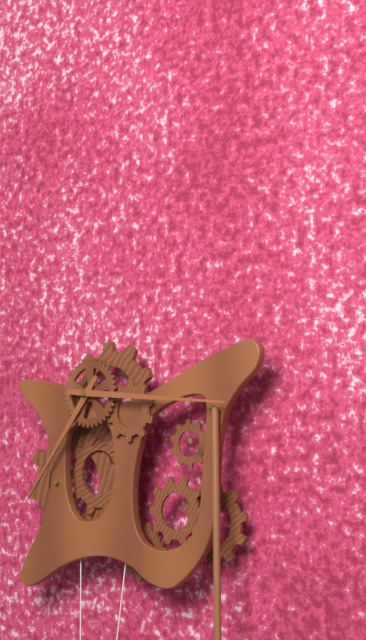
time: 7:16
